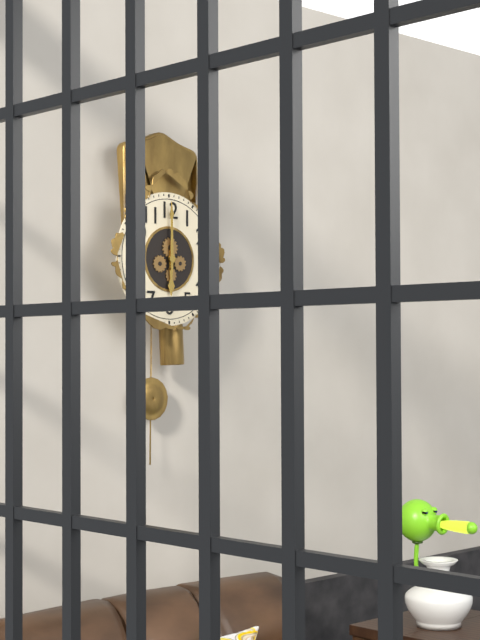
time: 6:00
